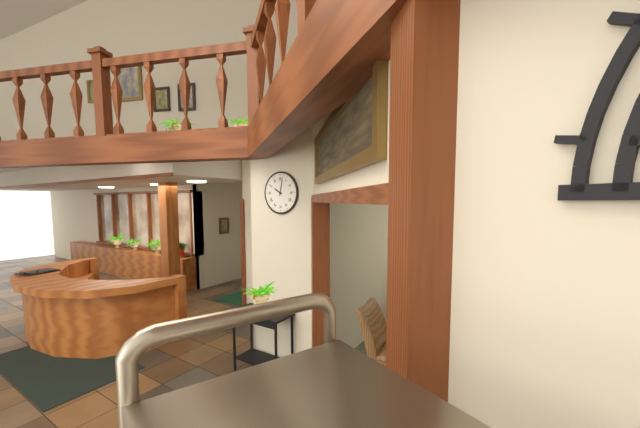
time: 10:02
